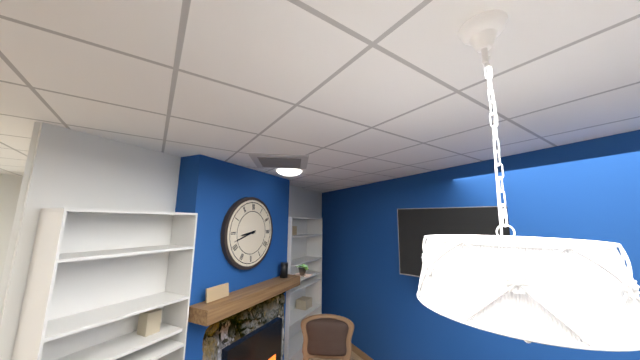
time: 8:42
